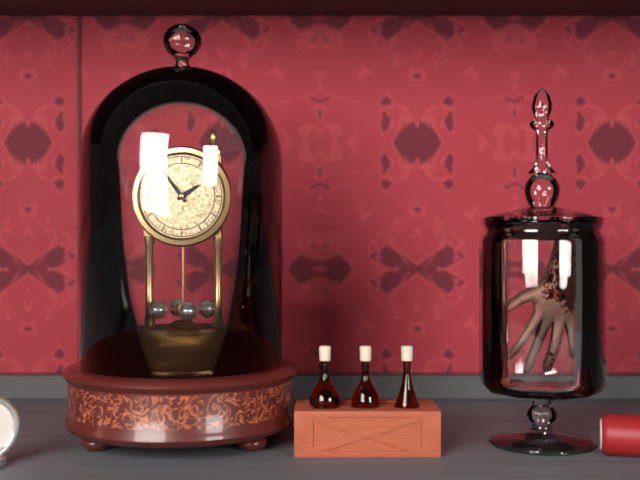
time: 1:54
